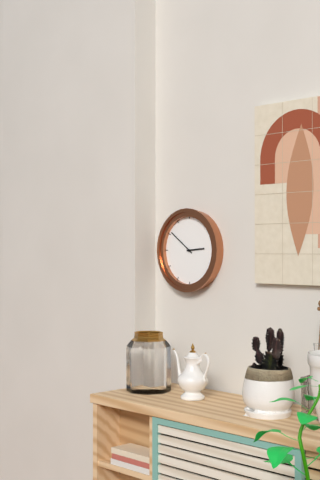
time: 2:51
